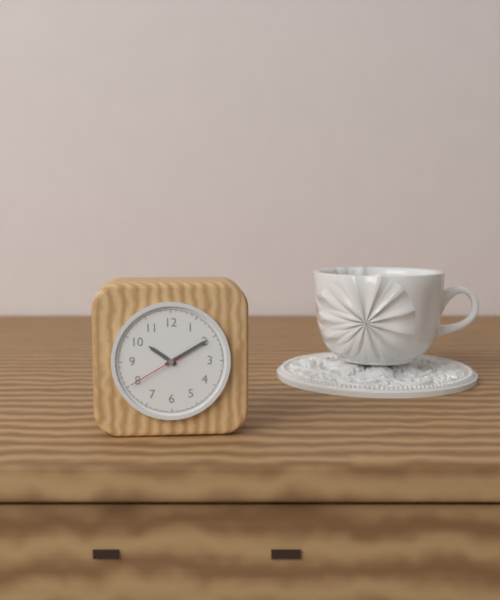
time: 10:10:40
